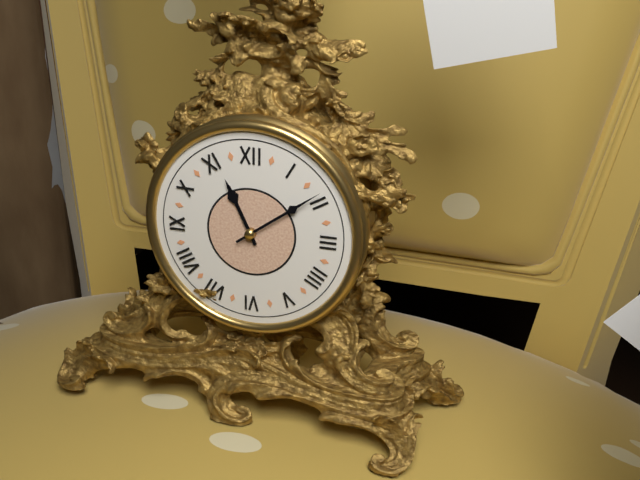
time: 11:09
